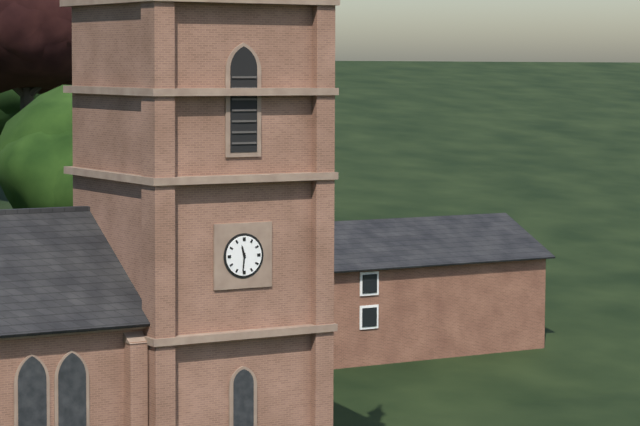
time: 11:31
